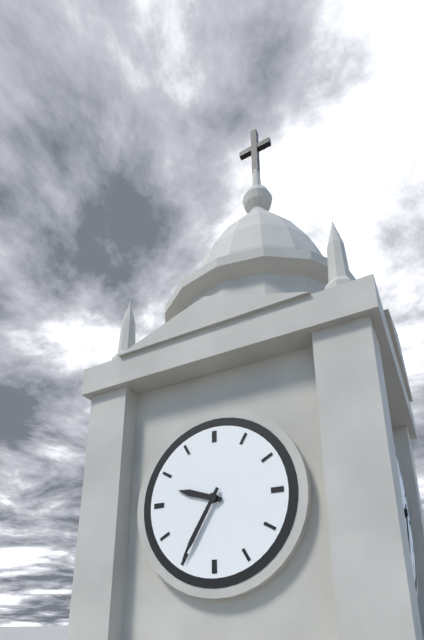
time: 9:35
